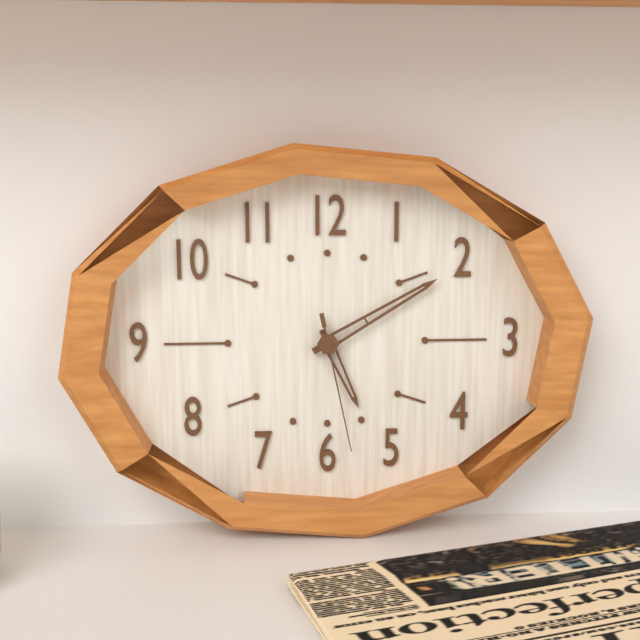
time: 5:10:28
